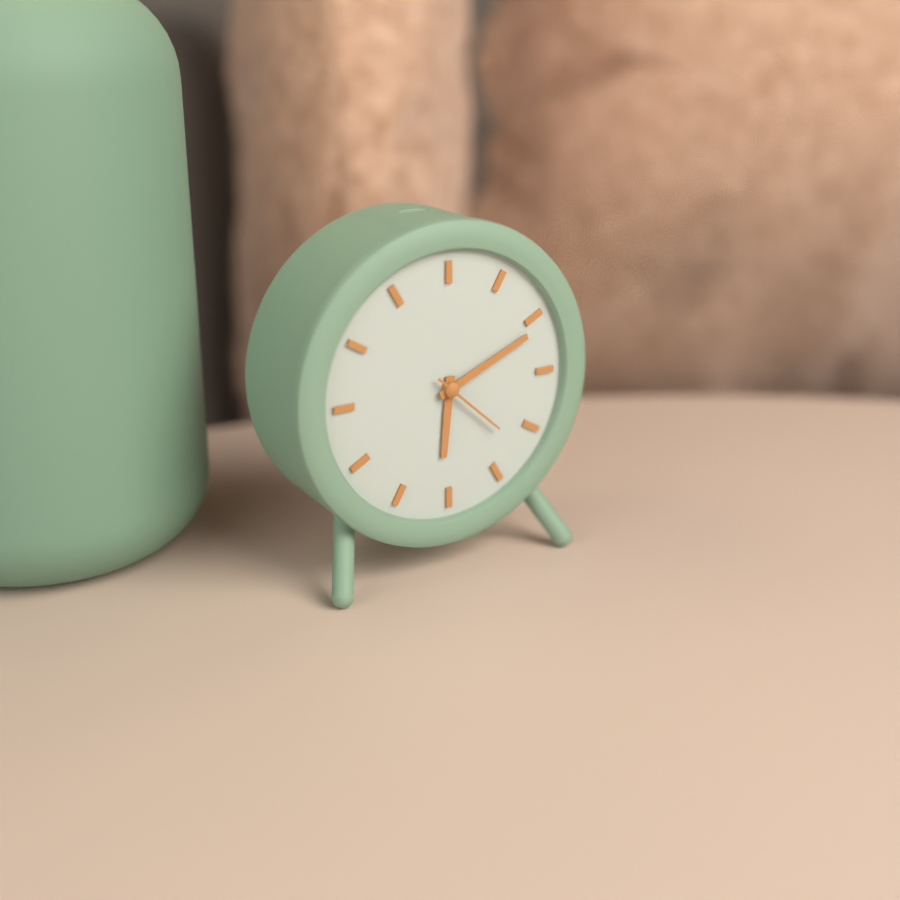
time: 6:11:22
